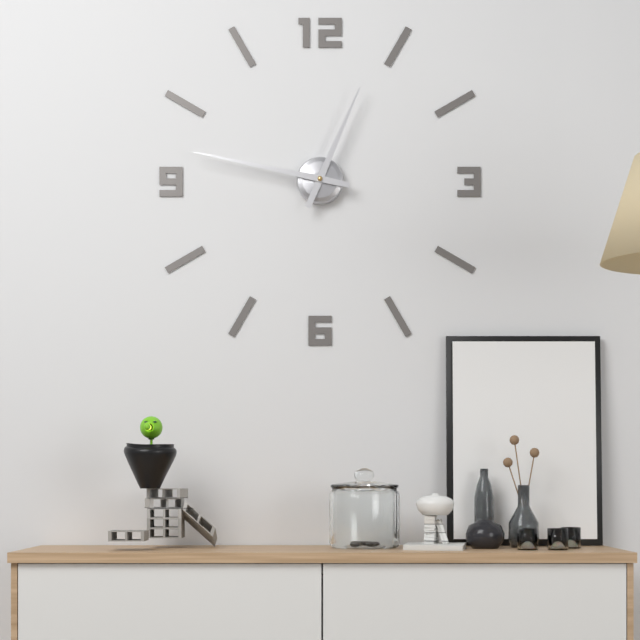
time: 12:47
